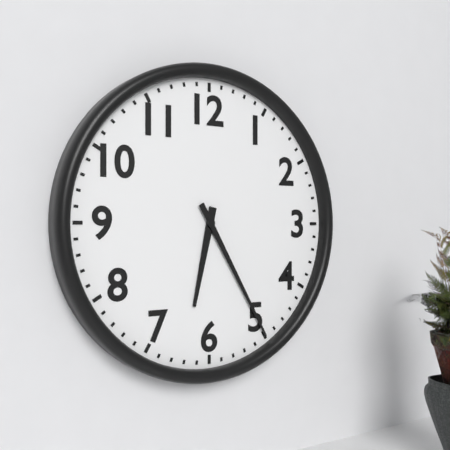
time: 6:25
